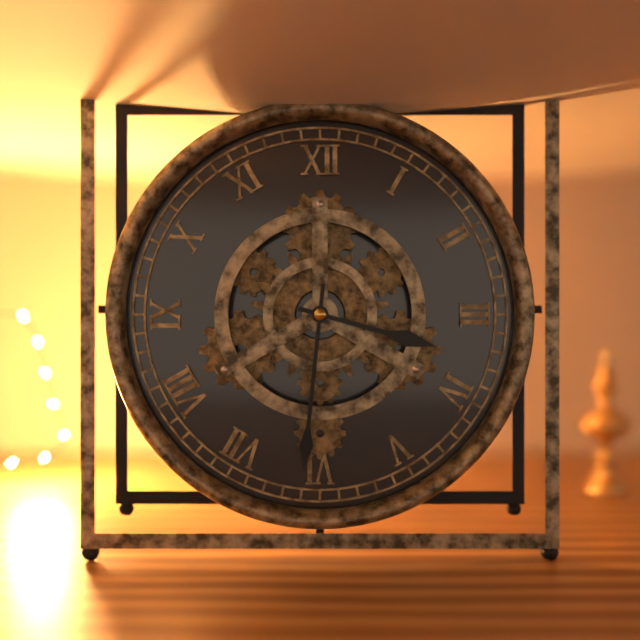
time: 3:31
